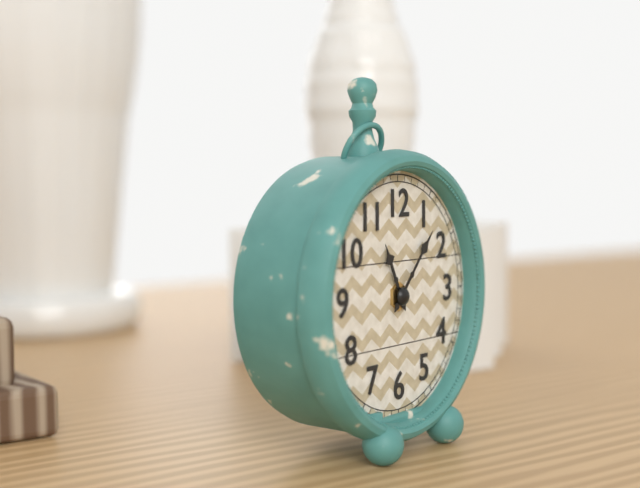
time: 11:07
